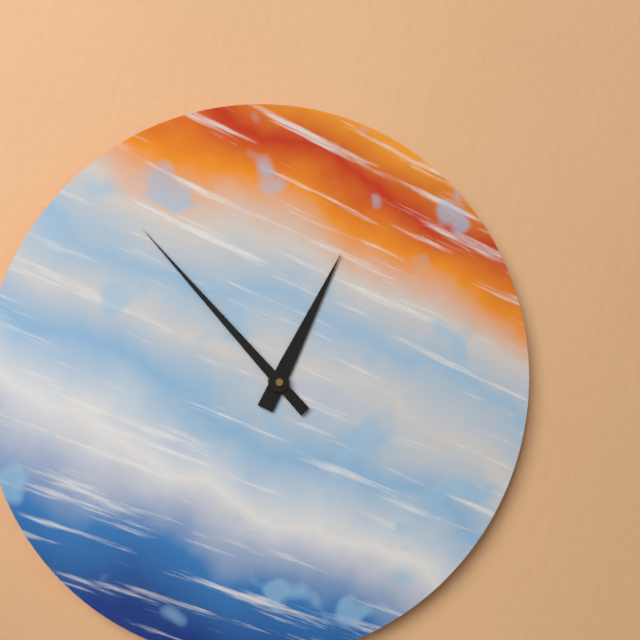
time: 12:53
